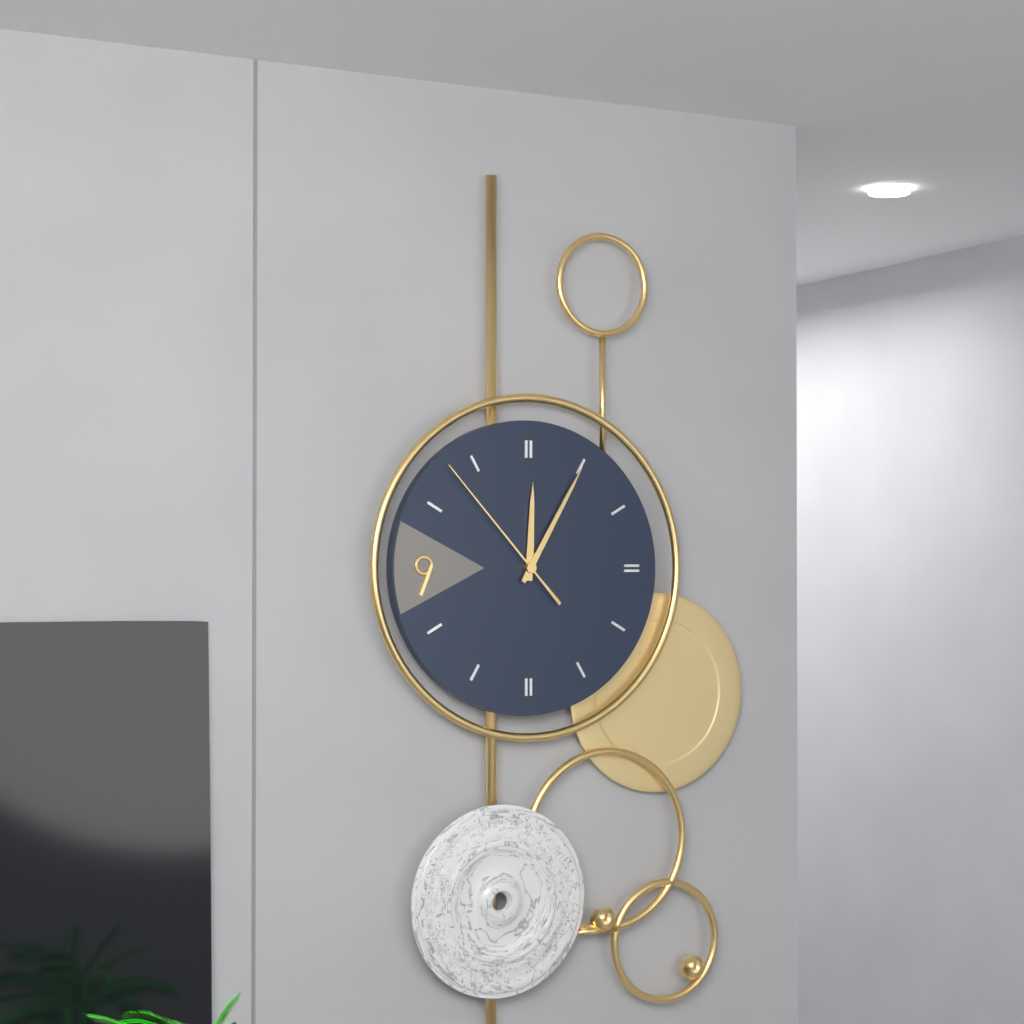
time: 12:05:53
